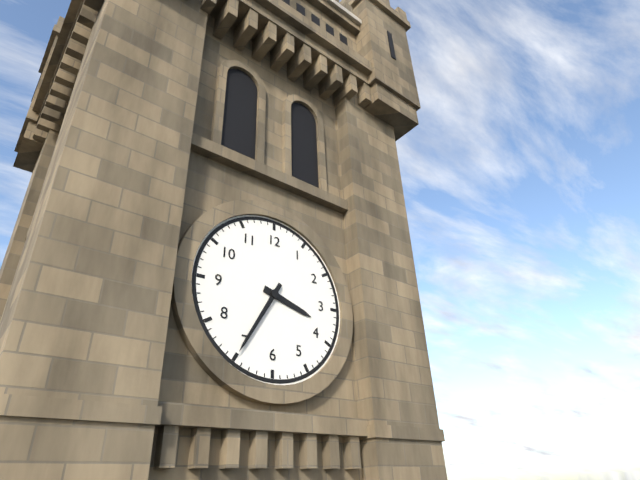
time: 3:35
